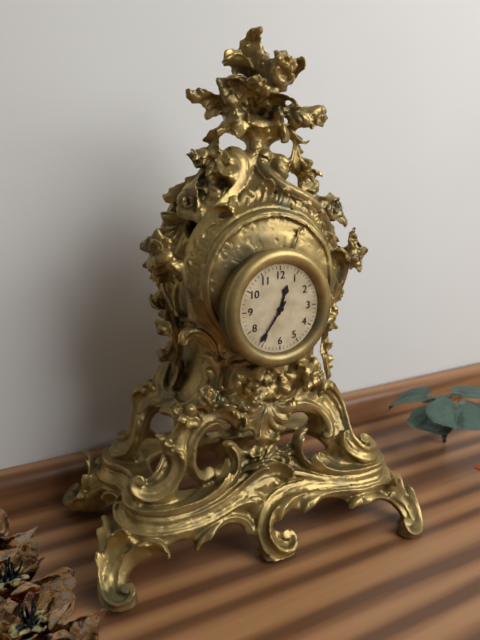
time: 12:36
